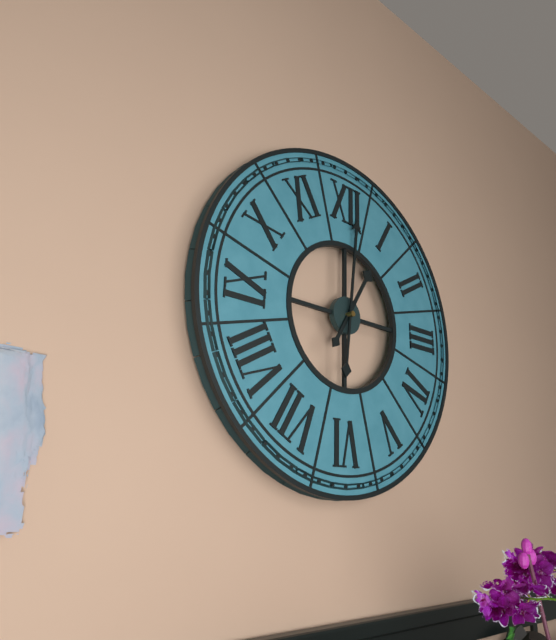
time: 1:01
